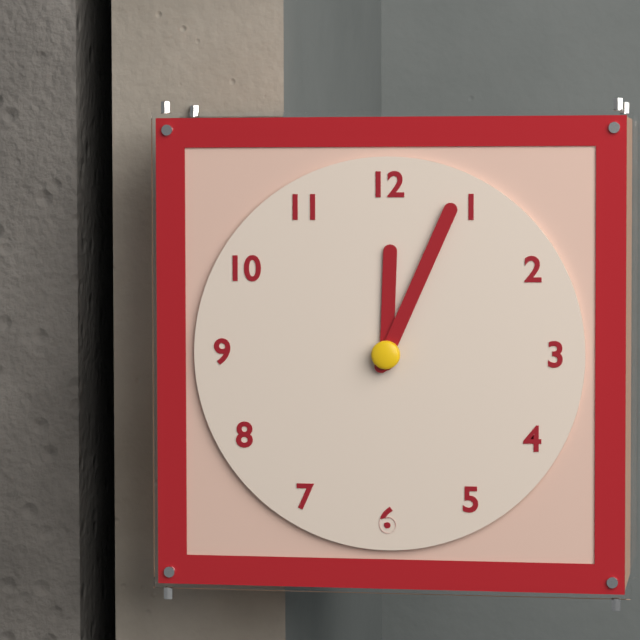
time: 12:04
